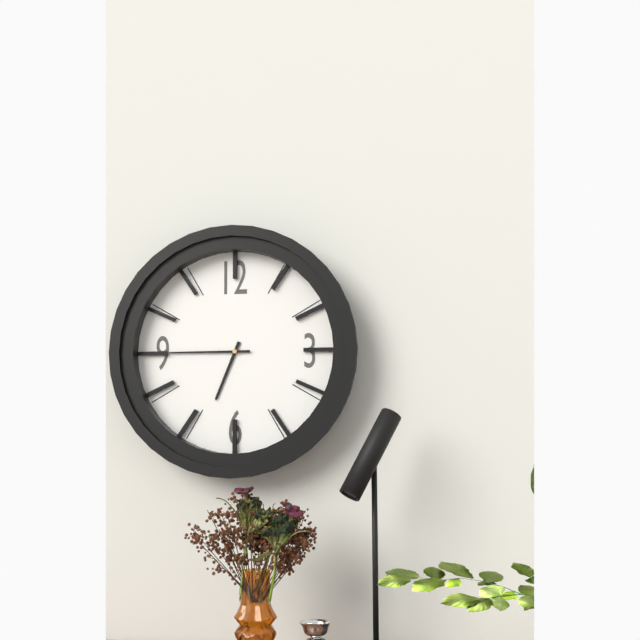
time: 6:45
